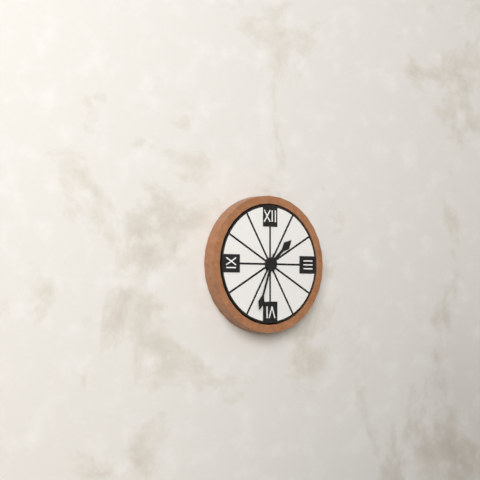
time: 1:33
